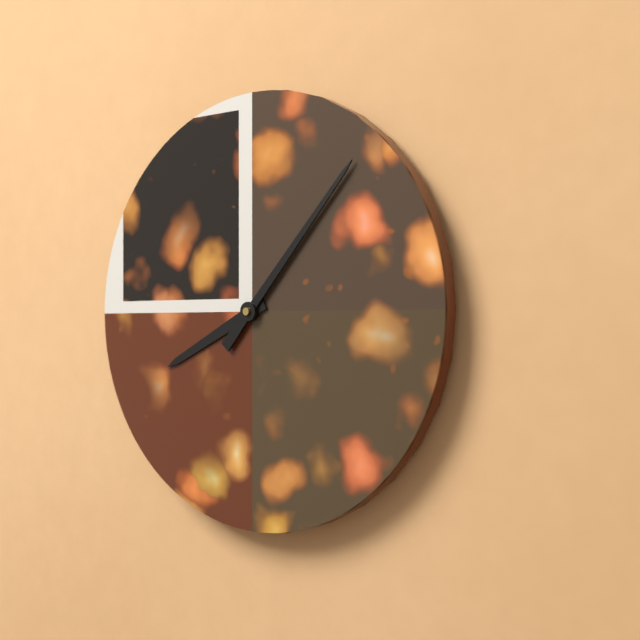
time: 8:07
